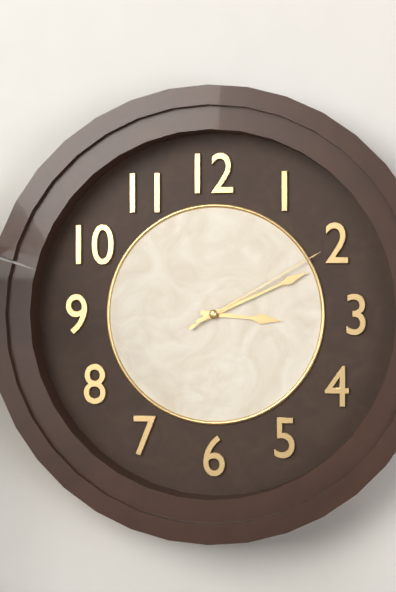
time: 3:11:10
